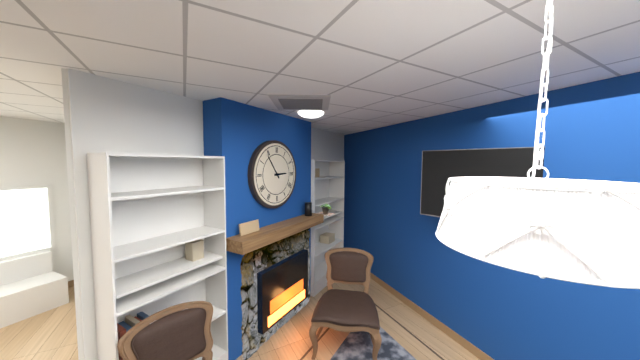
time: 2:54
